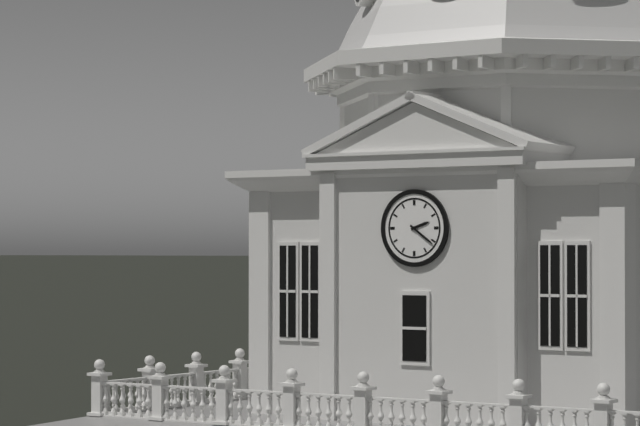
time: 2:21
